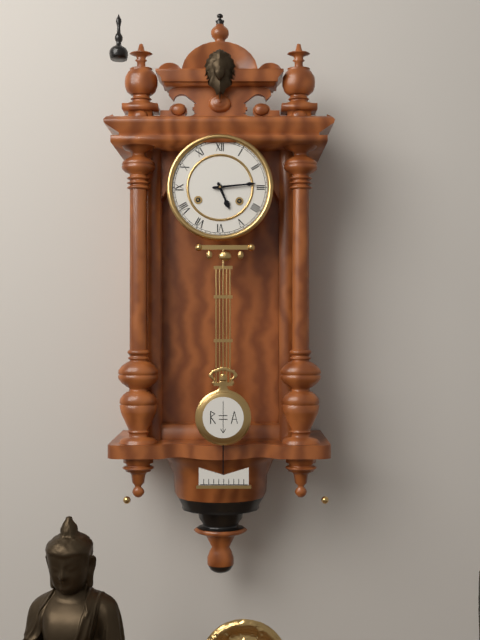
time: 5:14
